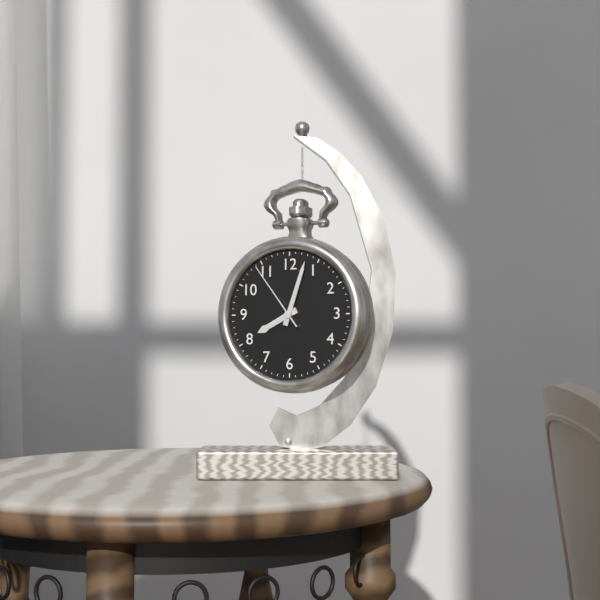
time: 8:03:54
